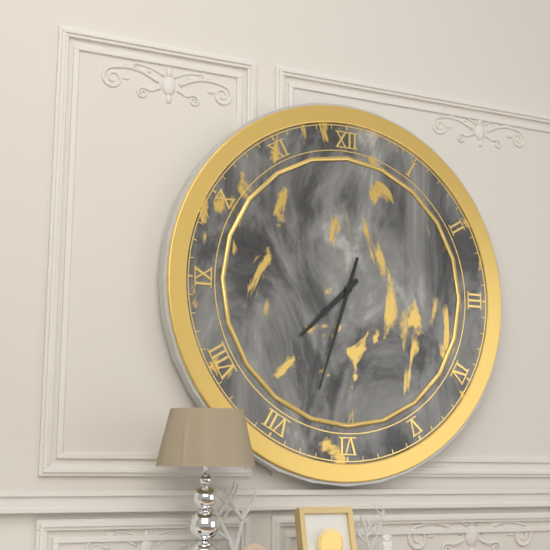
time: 7:33
